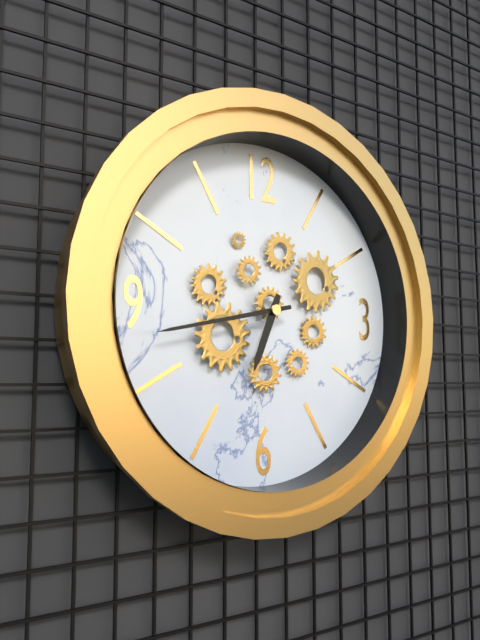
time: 6:43
